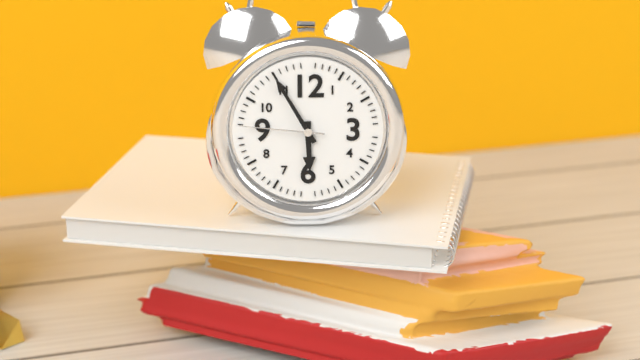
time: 5:55:46
